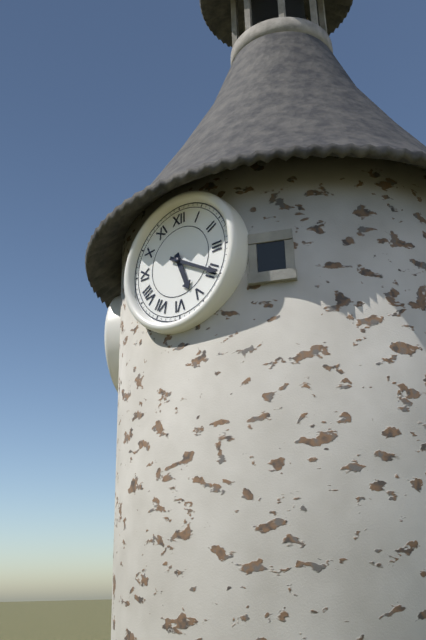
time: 5:20
